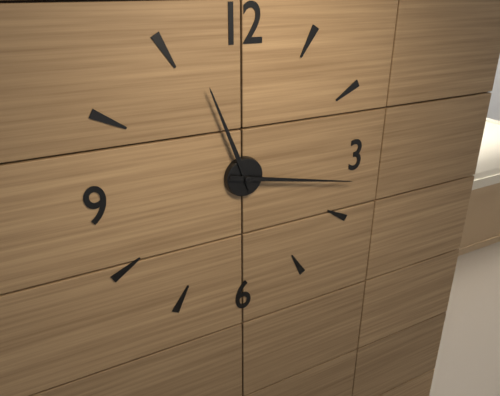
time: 11:17
